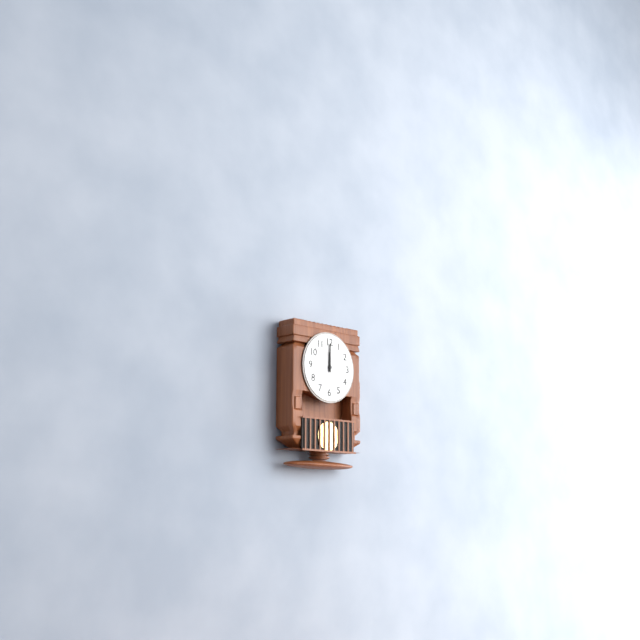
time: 12:00
